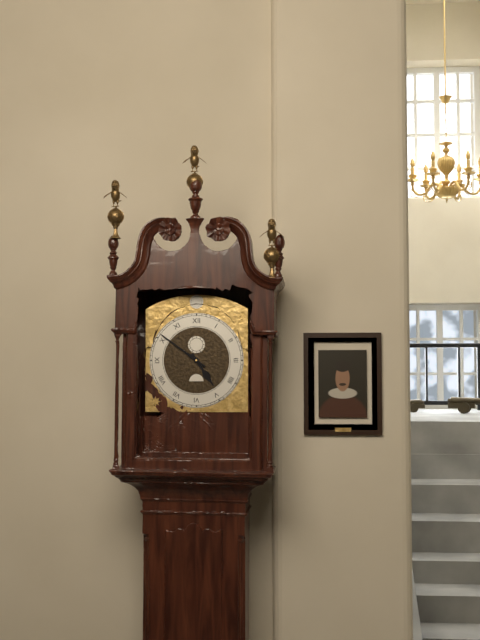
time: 4:51
